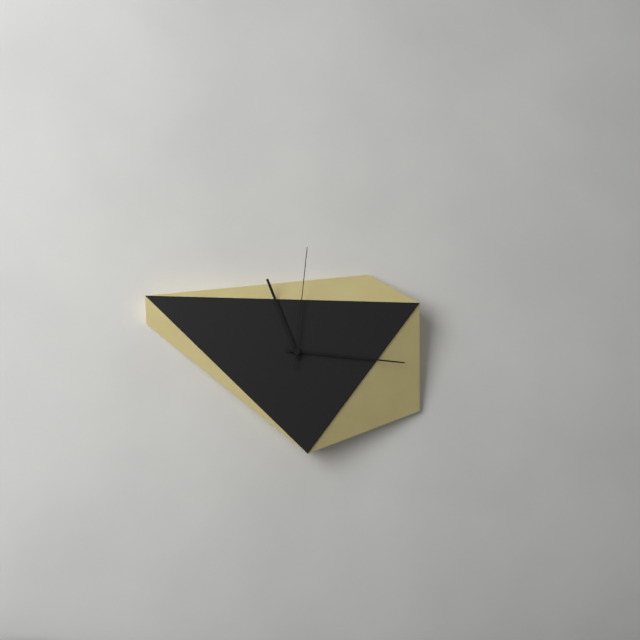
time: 11:16:01
